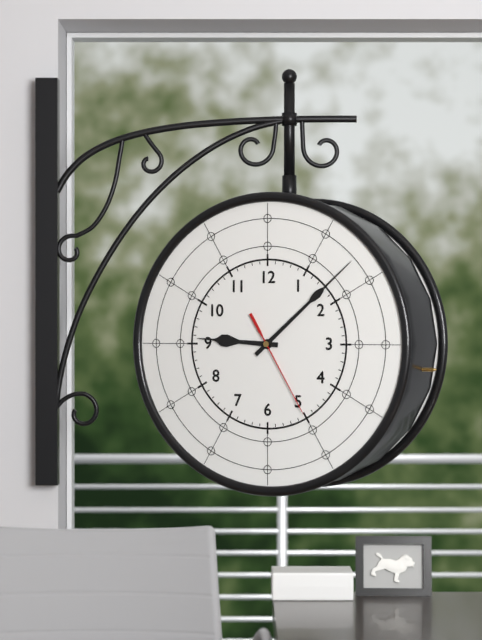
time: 9:08:25
